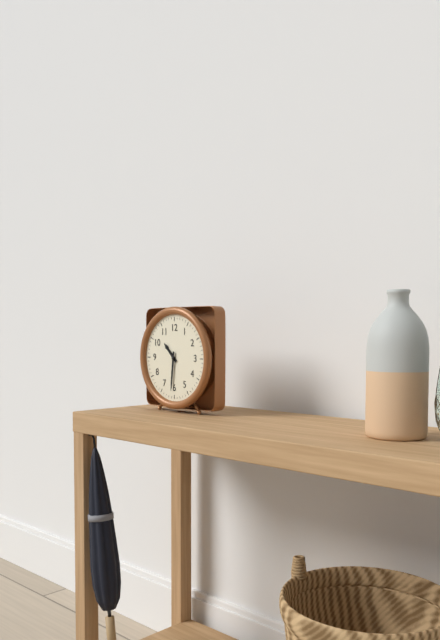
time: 10:31
